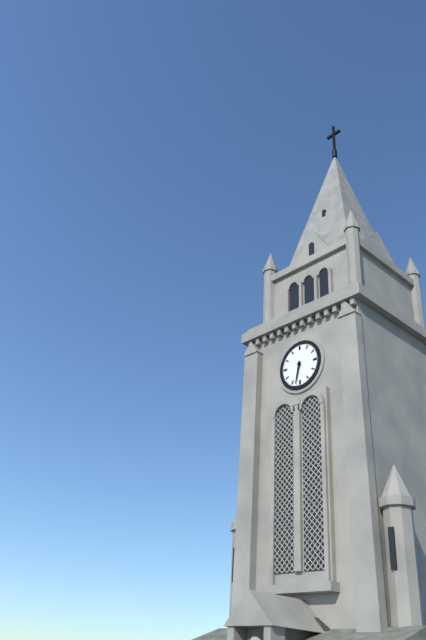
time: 6:32
